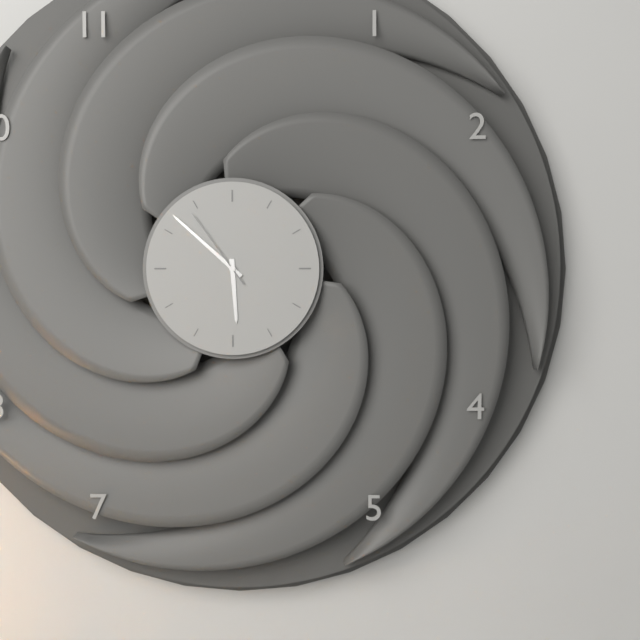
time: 5:52:54
